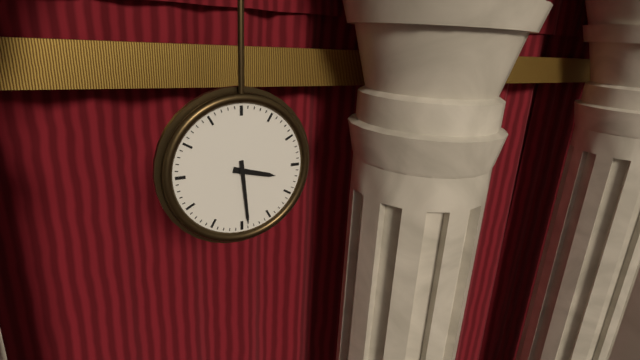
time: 3:29
